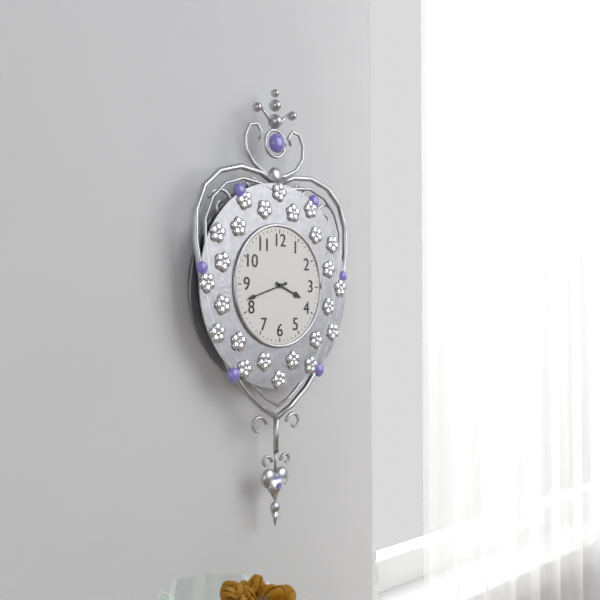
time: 3:42
